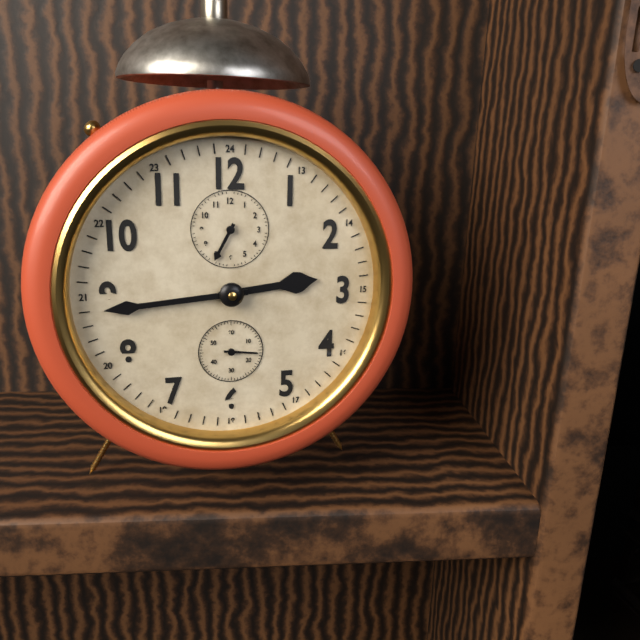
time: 2:44
